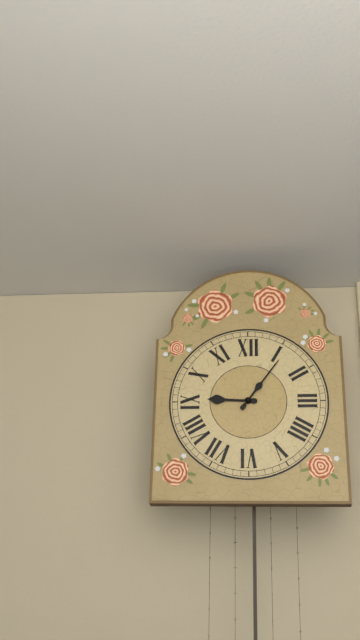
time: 9:06
